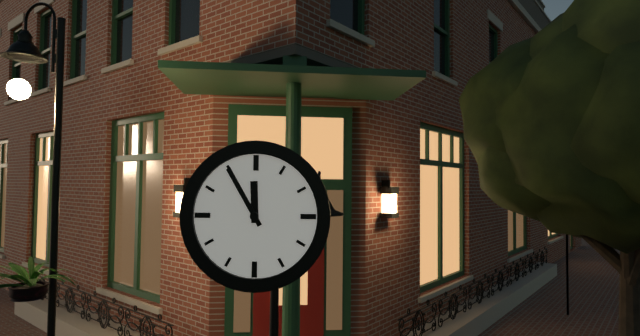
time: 11:55
